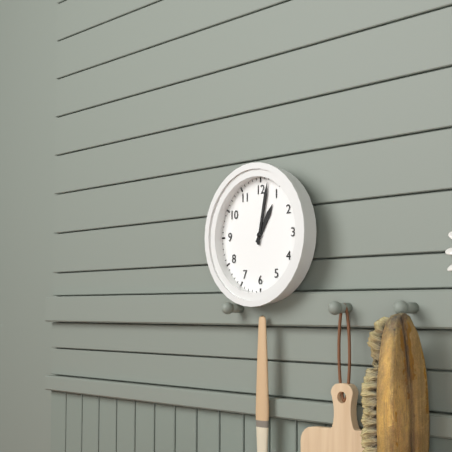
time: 1:02
